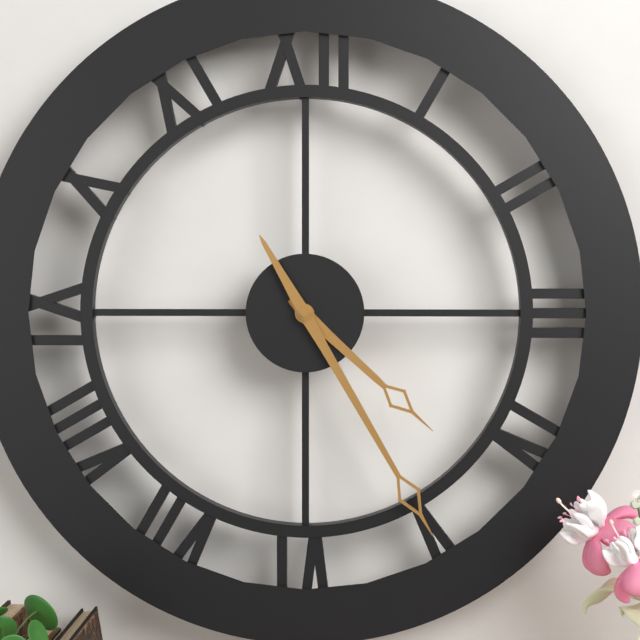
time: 4:25
